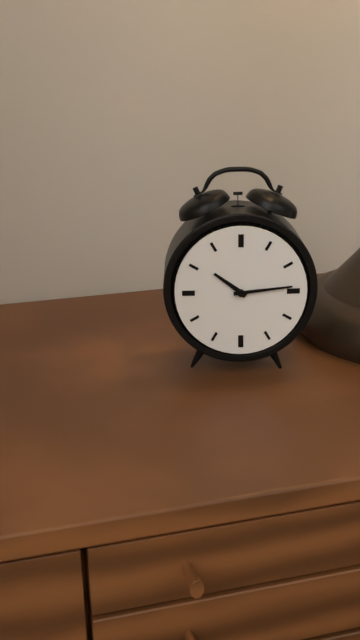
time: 10:14
